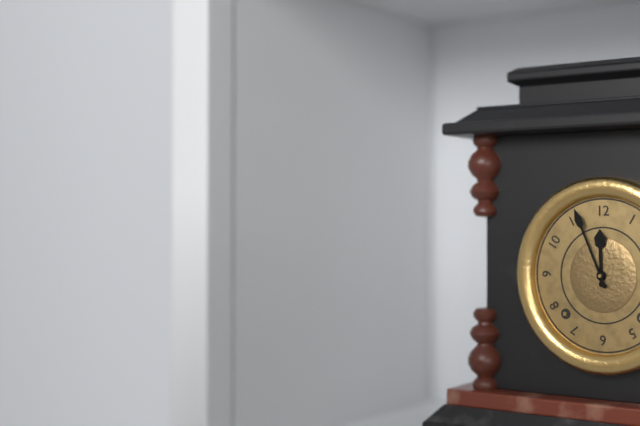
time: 11:56
